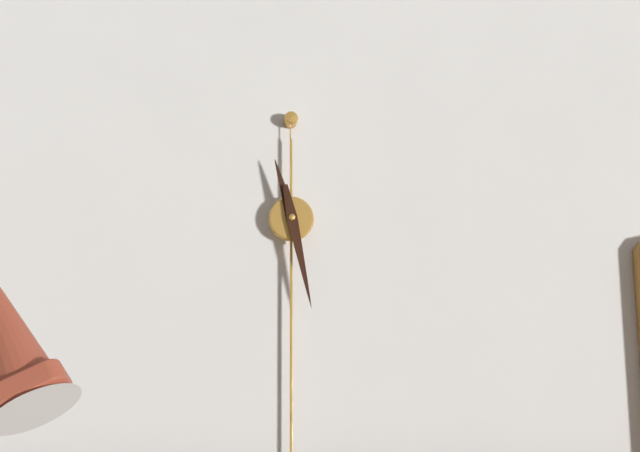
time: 11:28
